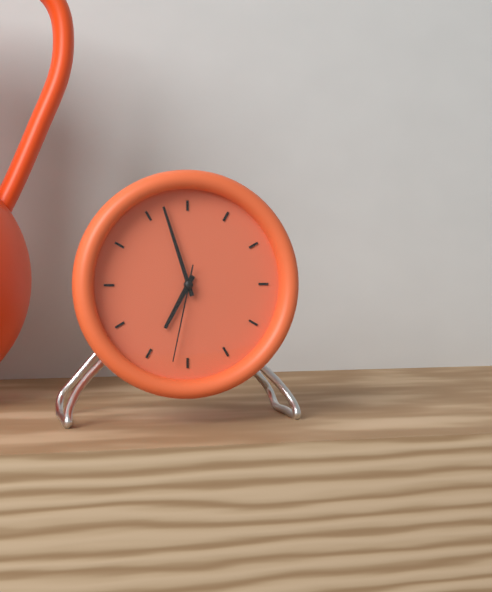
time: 6:57:32
